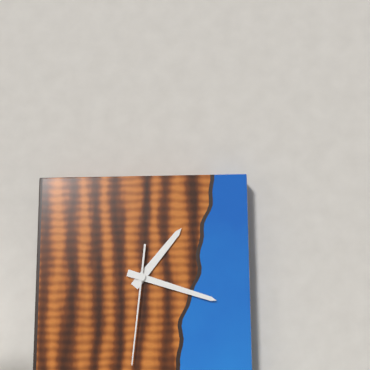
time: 1:18:31
